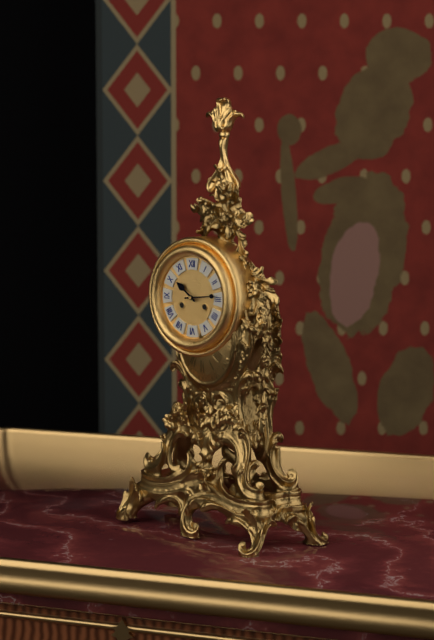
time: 10:14
